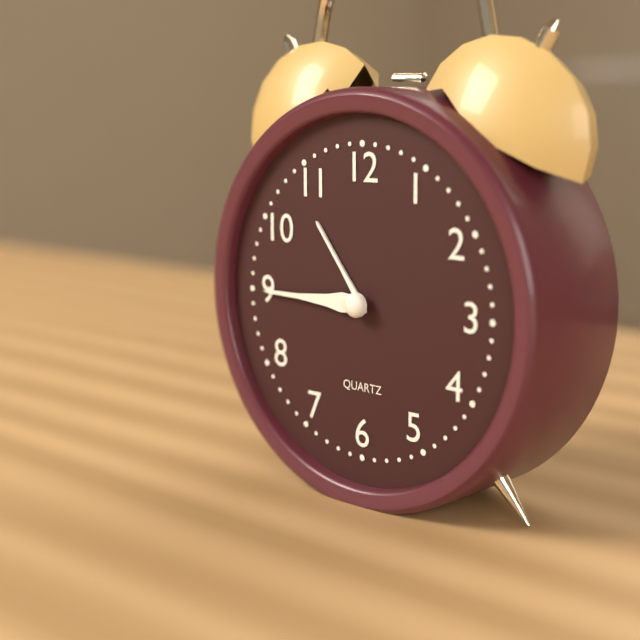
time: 10:45
